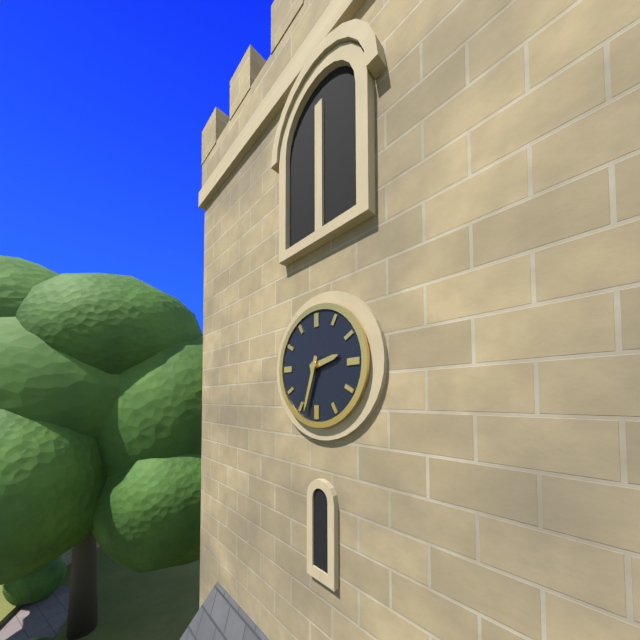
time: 2:33
